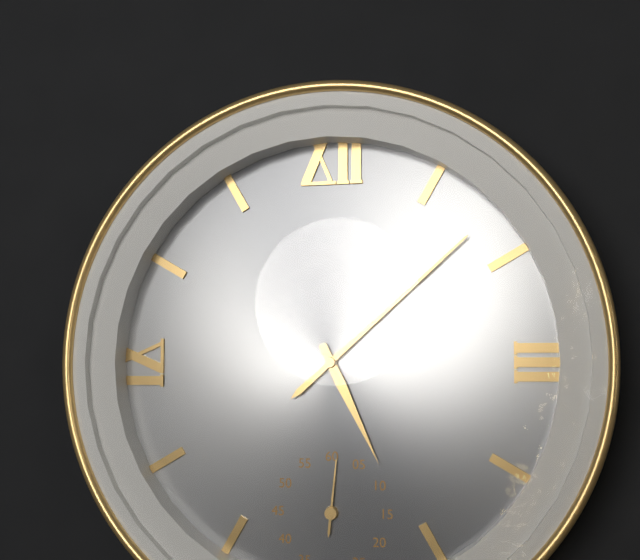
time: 5:08:01
